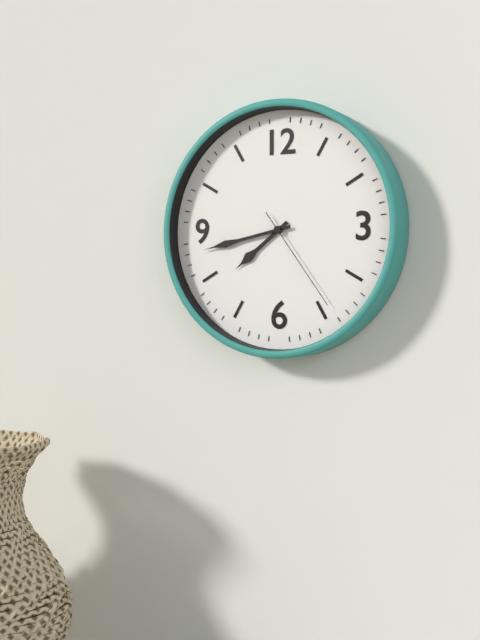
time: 7:43:24
